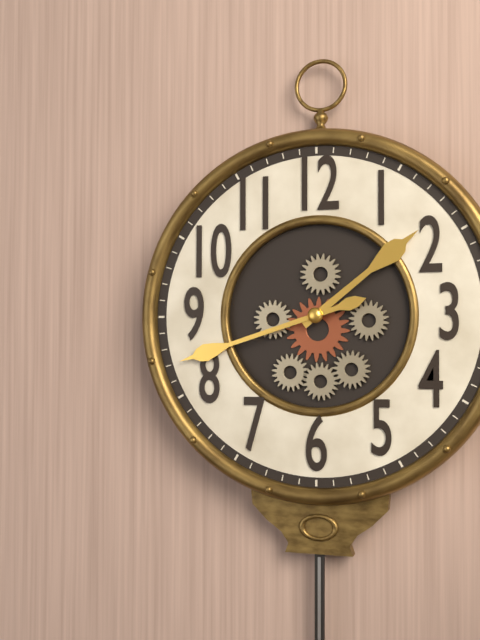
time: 1:42
